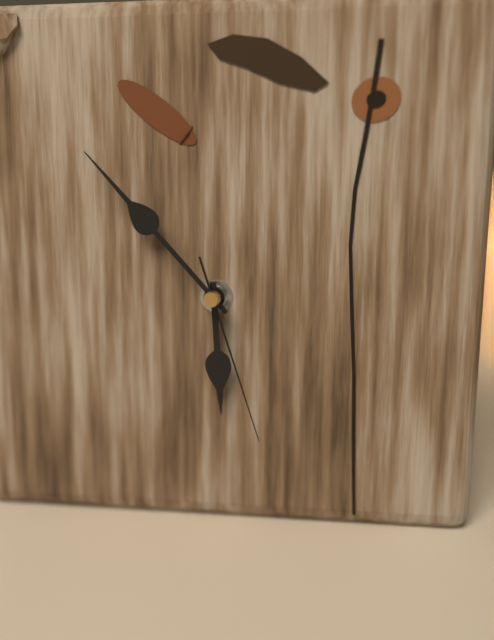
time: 5:53:27
